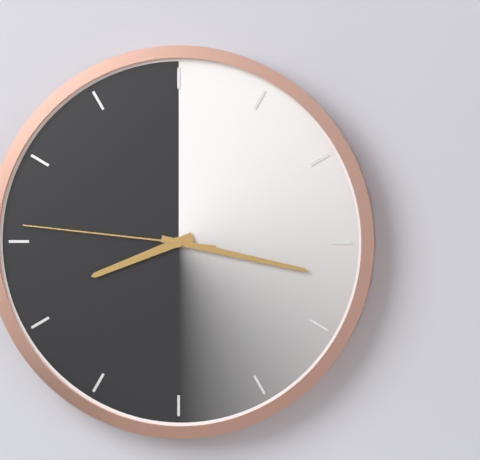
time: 8:17:46
